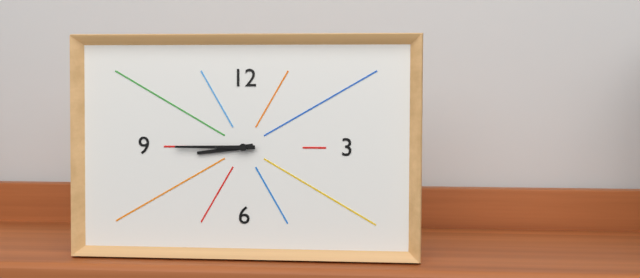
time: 8:45
